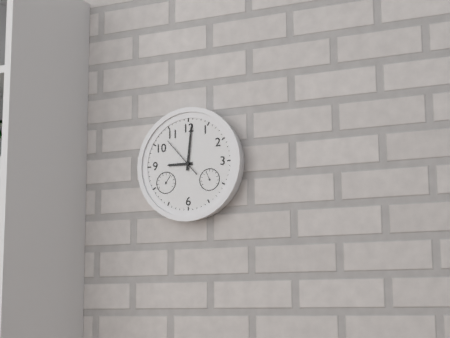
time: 9:01
